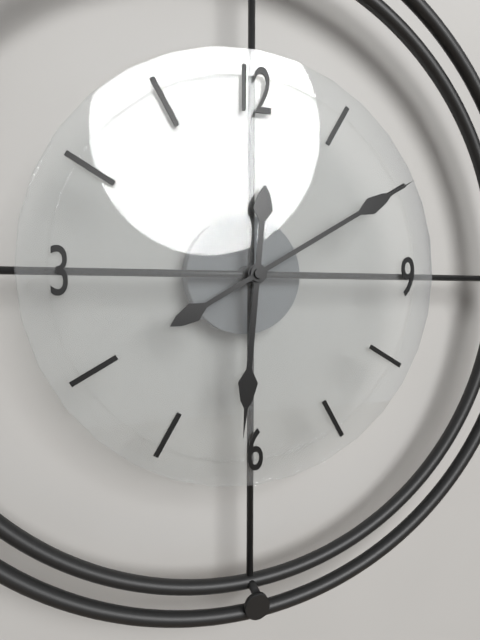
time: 6:10
